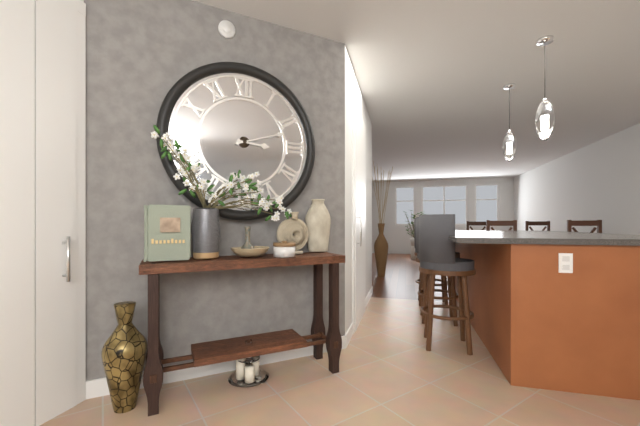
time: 3:12
